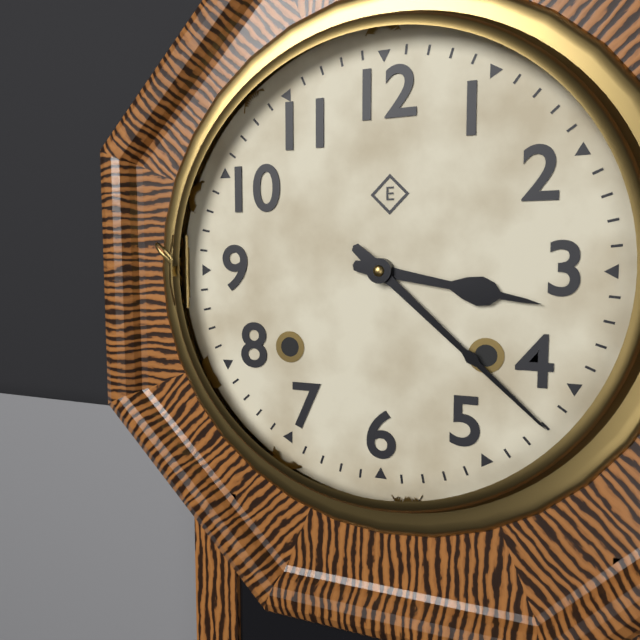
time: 3:22
